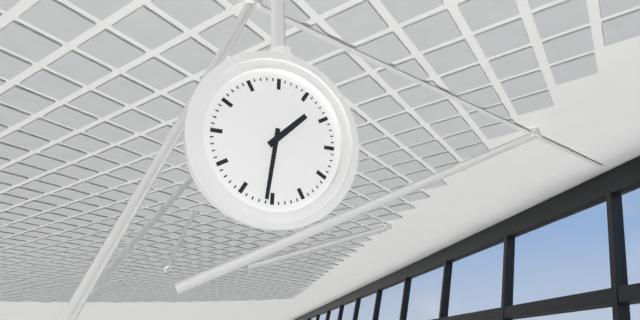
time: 1:31
